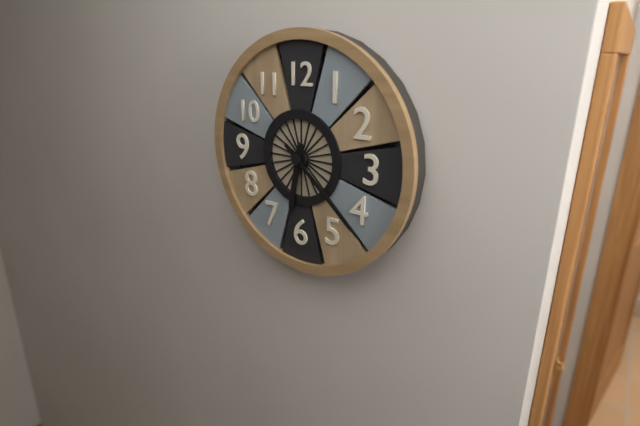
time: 6:22
